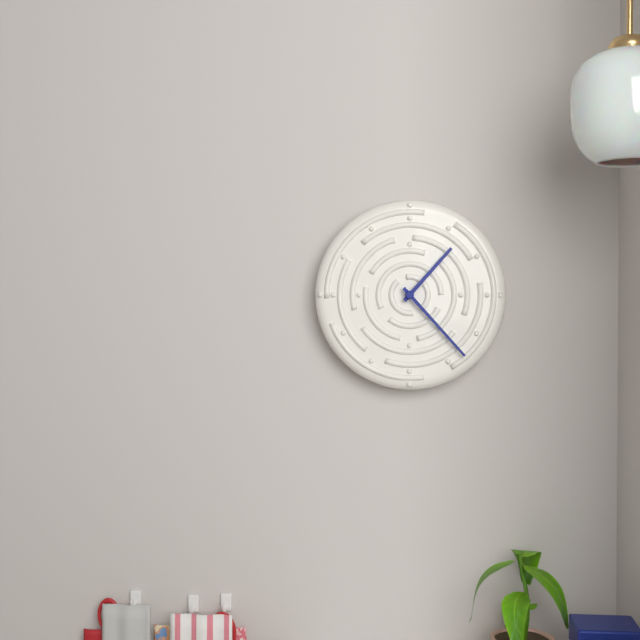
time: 1:23
